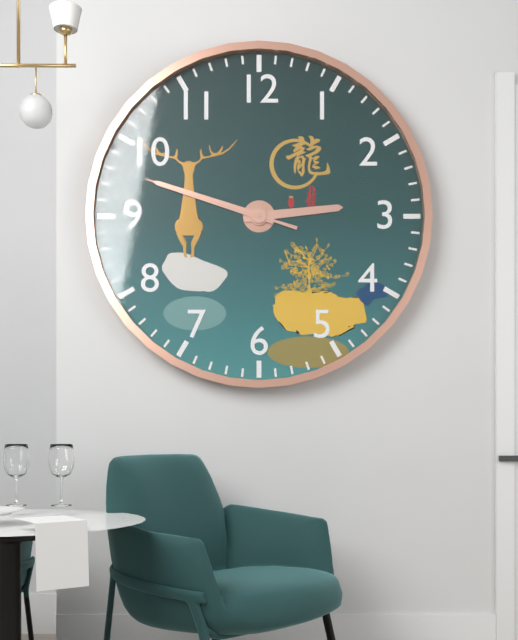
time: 2:48:48
